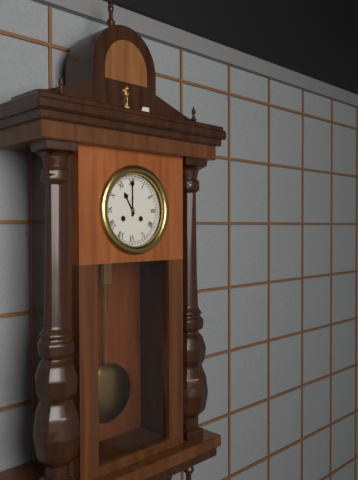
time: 11:00
